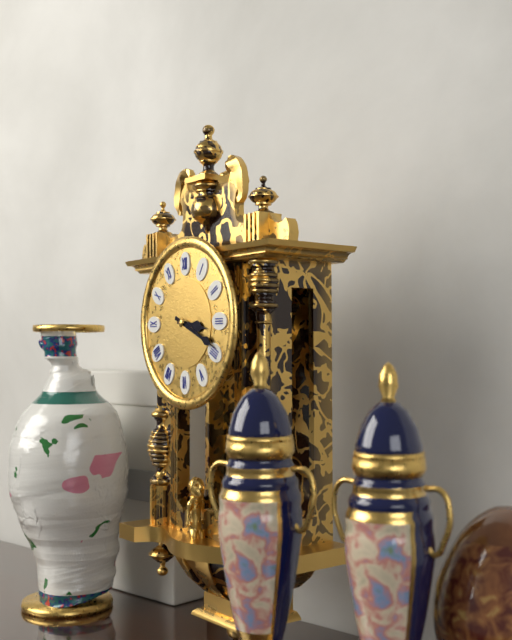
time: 3:19
